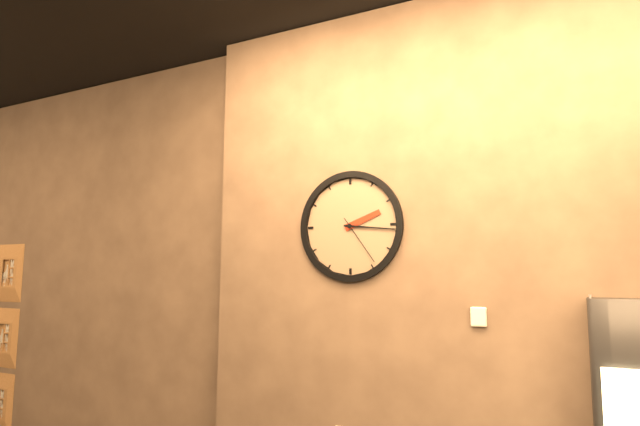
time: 2:16:24
